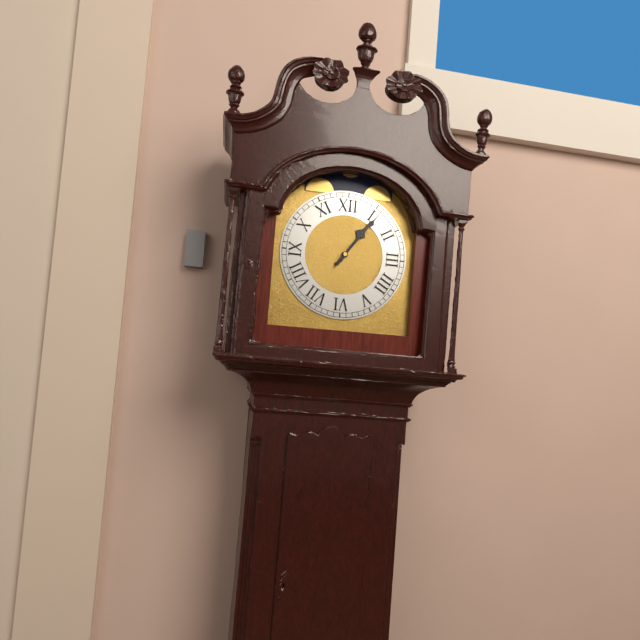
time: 1:06
